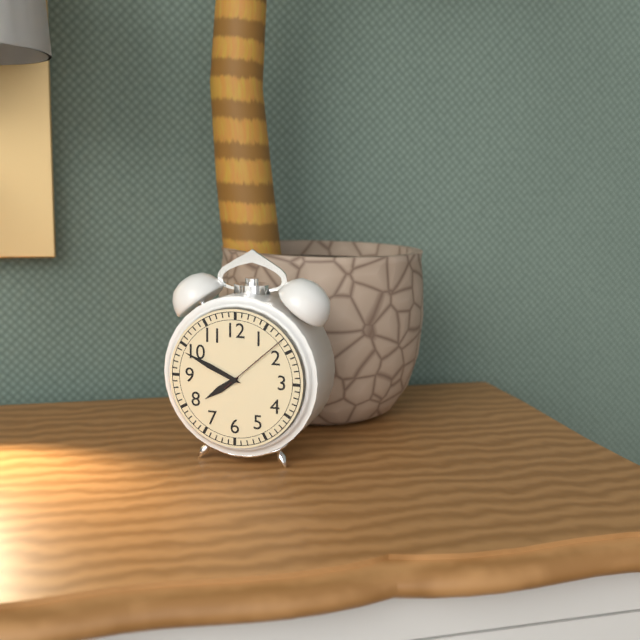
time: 7:49:08
